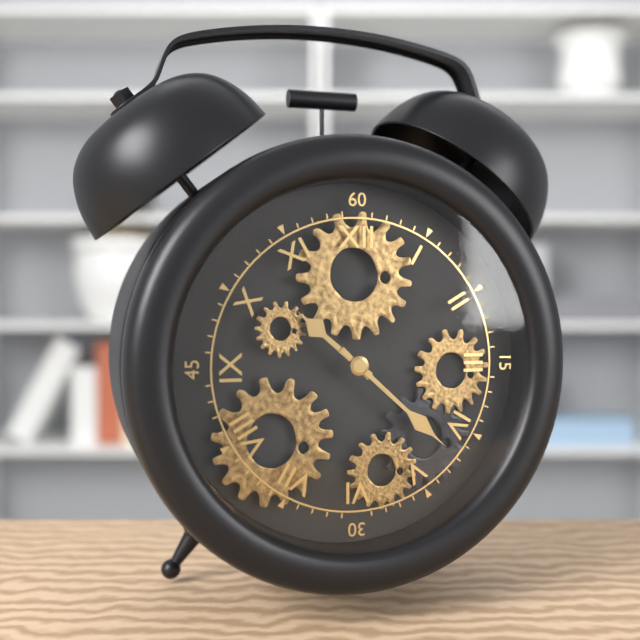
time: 10:22
